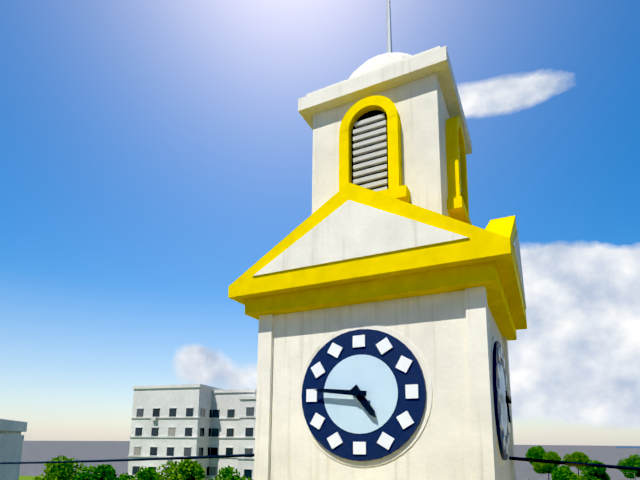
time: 4:46
